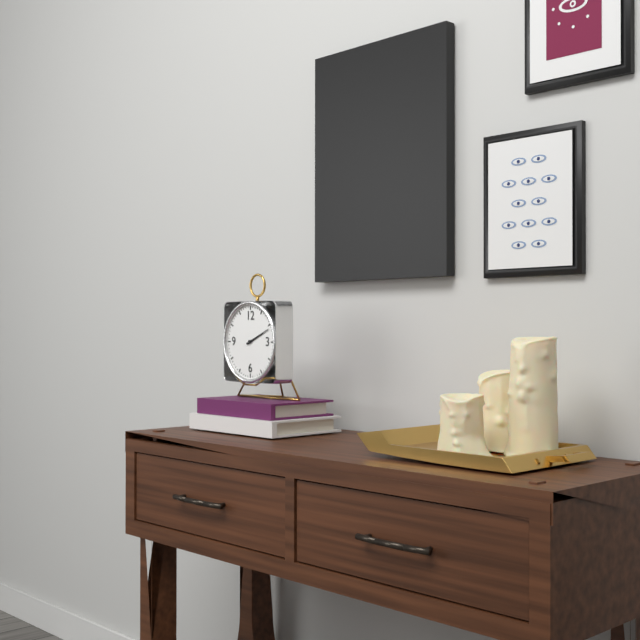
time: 2:11
